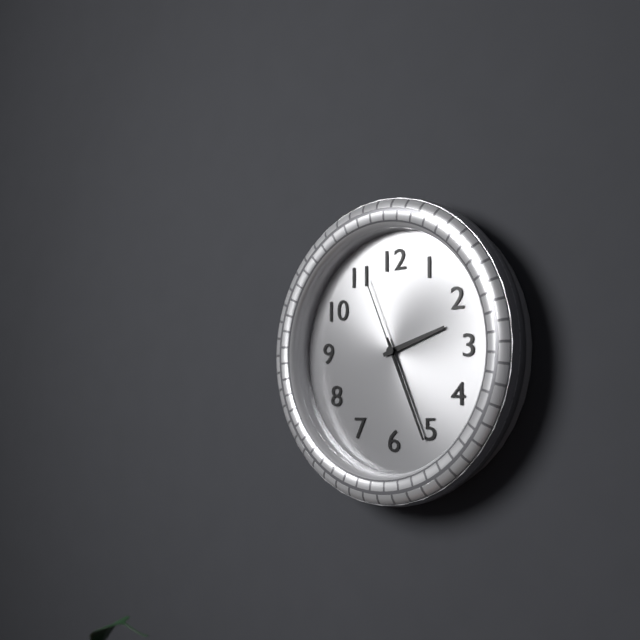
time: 2:26:56
